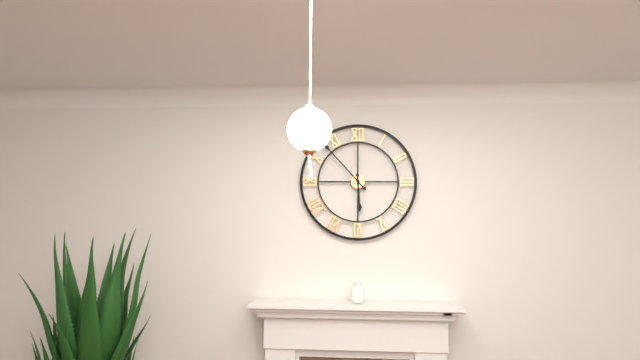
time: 5:53
